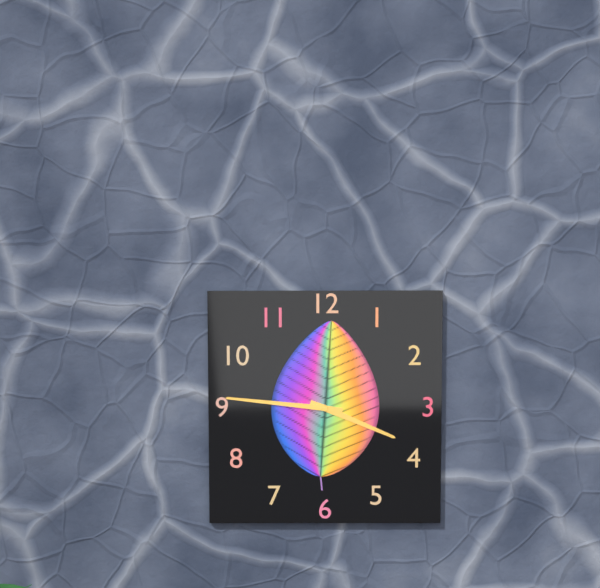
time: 3:46
